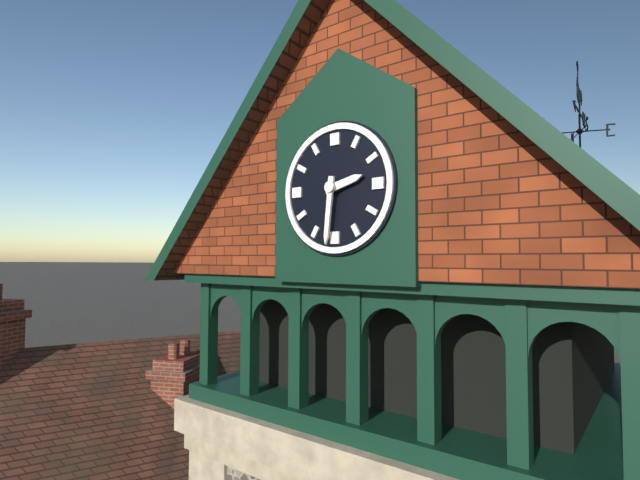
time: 2:31
